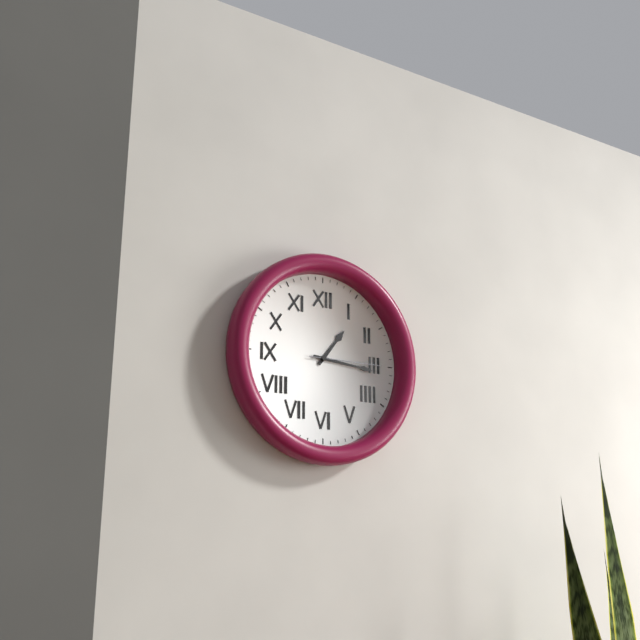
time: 1:16:15
